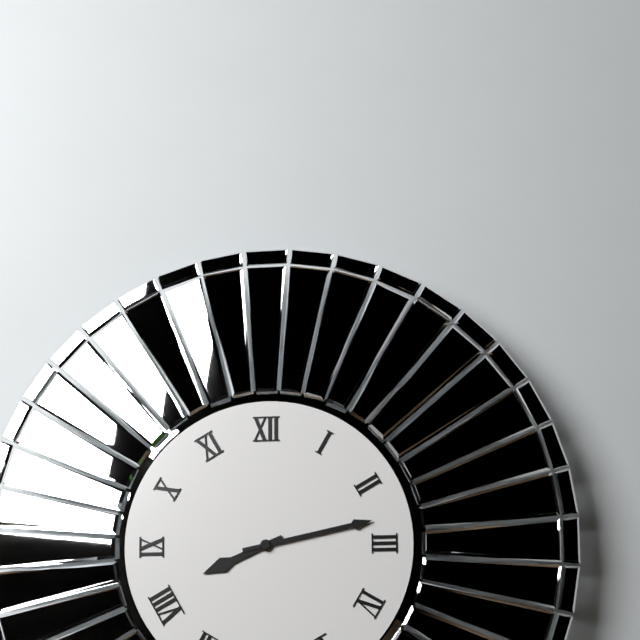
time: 8:13
